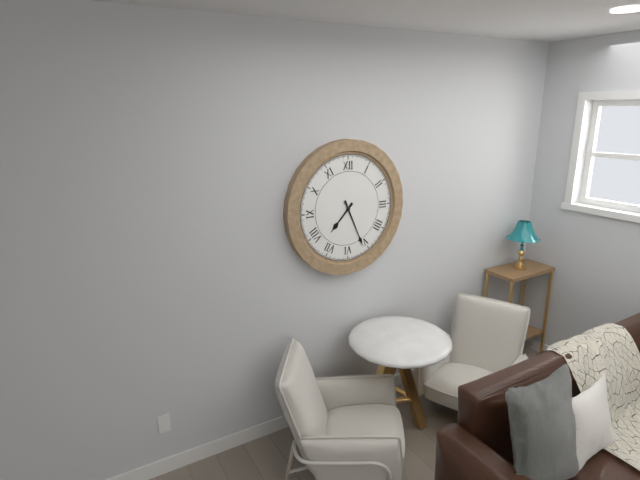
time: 7:26
